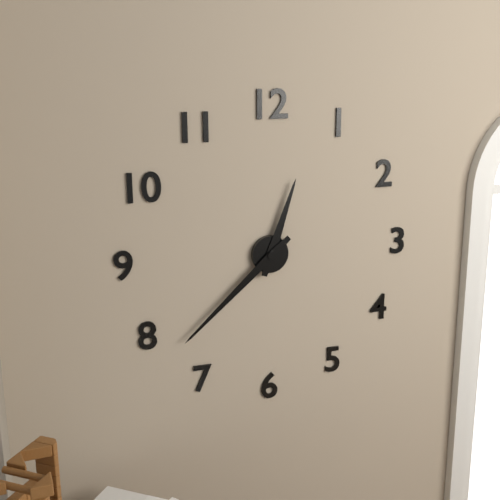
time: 12:38
